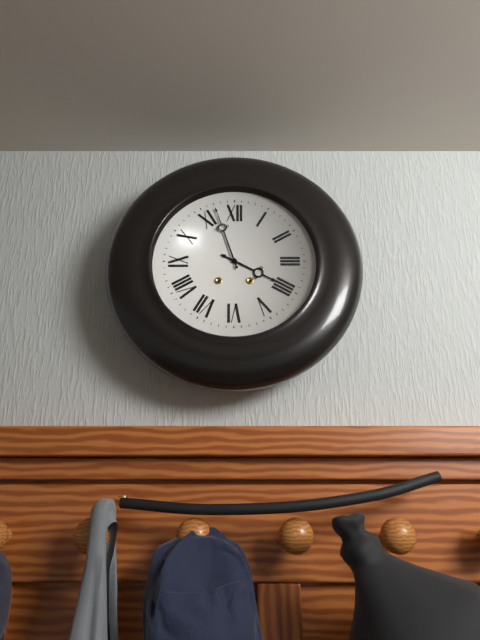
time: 3:57
